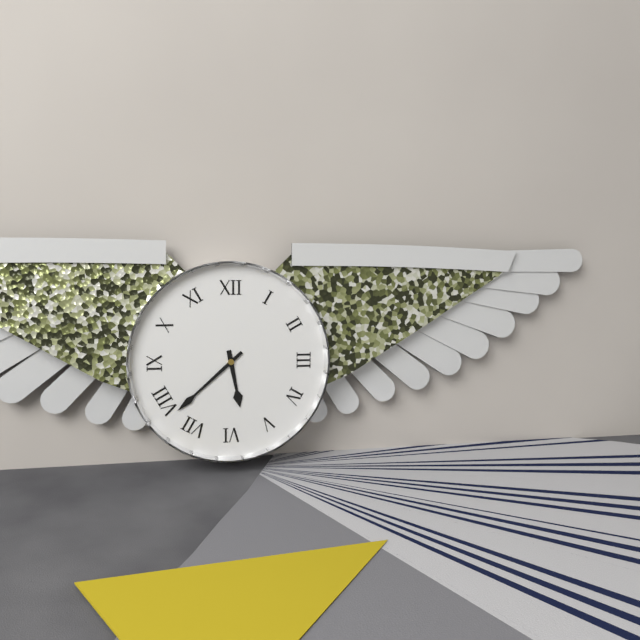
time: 5:38
